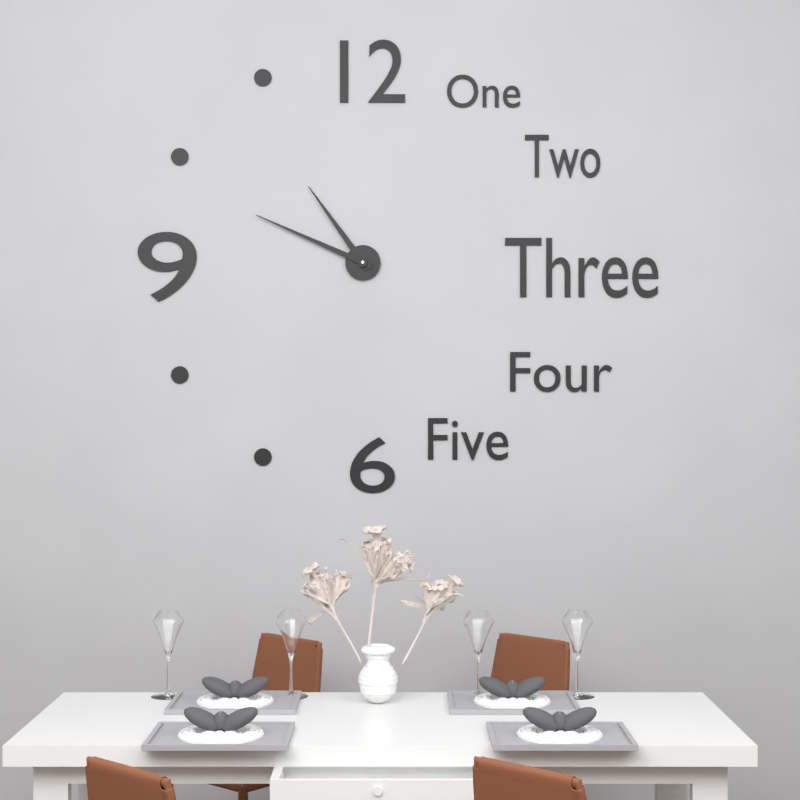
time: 10:49
